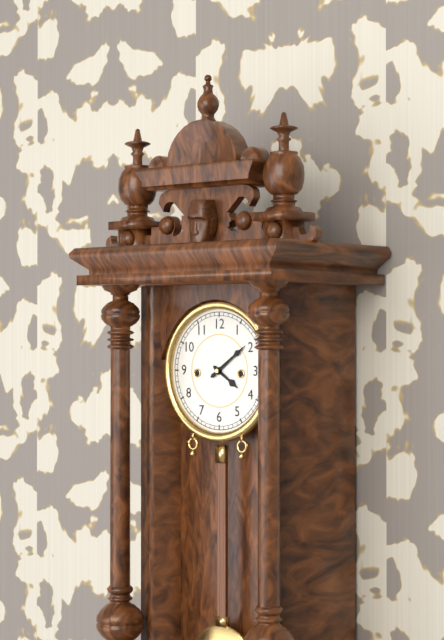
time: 4:09
